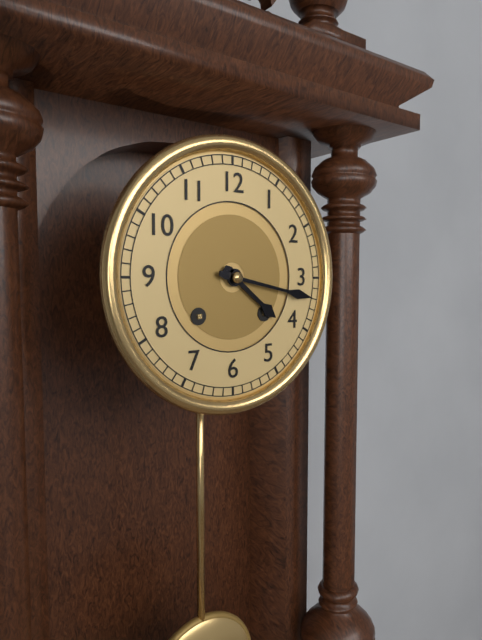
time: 4:17
